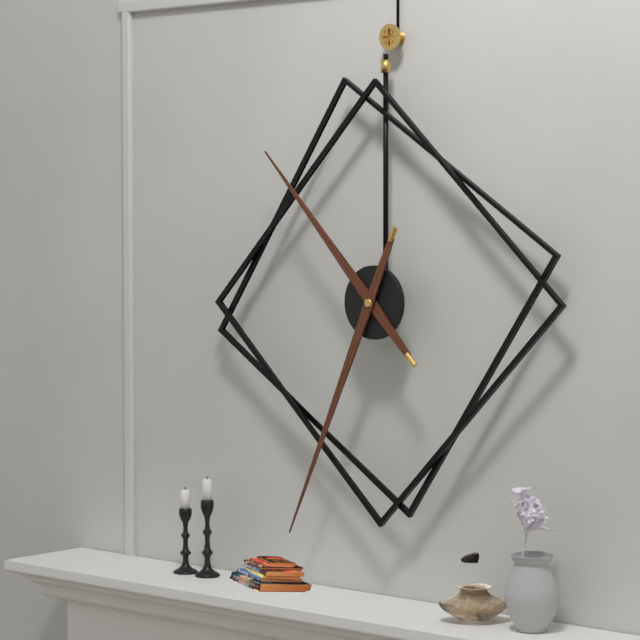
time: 10:34
